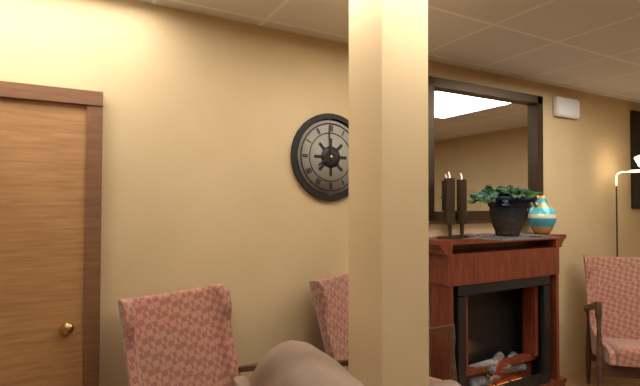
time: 7:59
